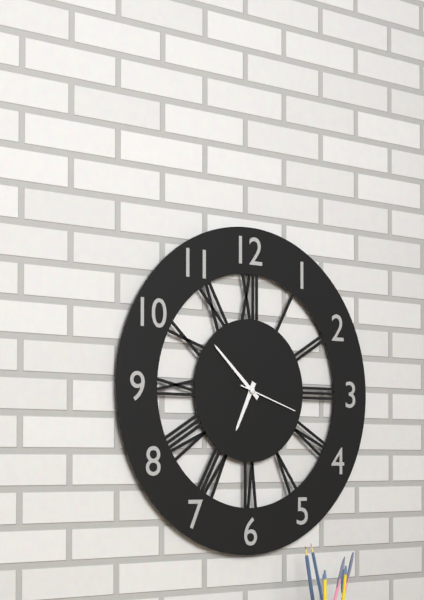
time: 6:52:18
